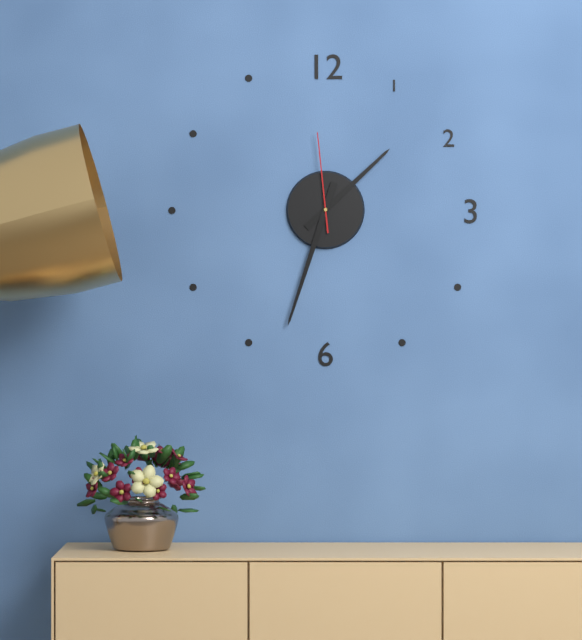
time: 1:33:59
